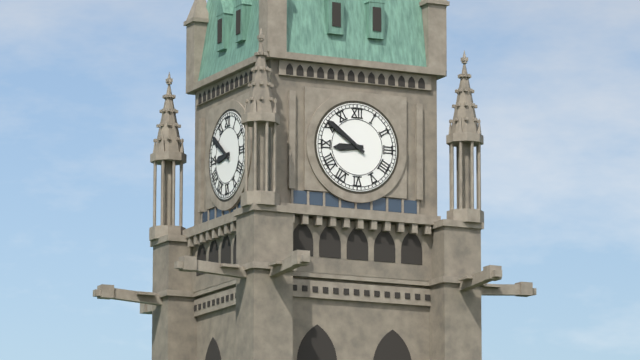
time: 8:51
